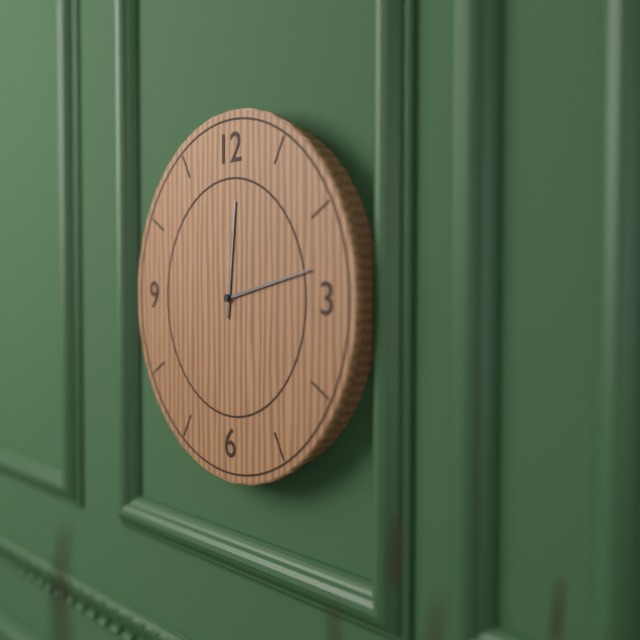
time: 12:13
